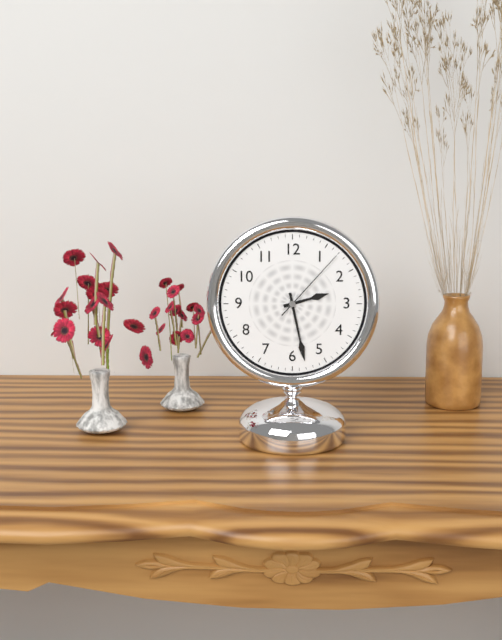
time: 2:28:07
